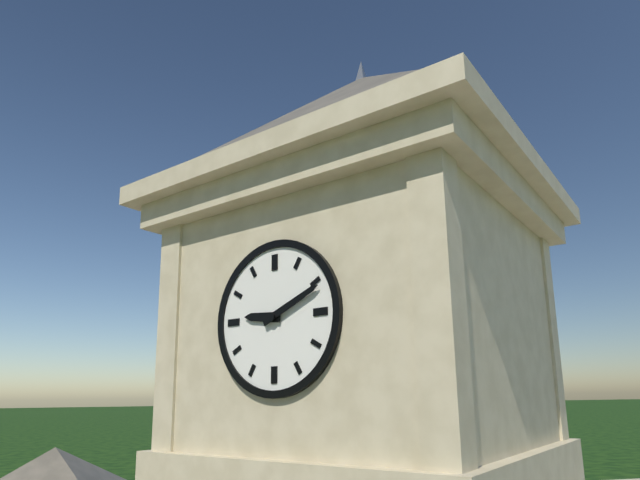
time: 9:11
